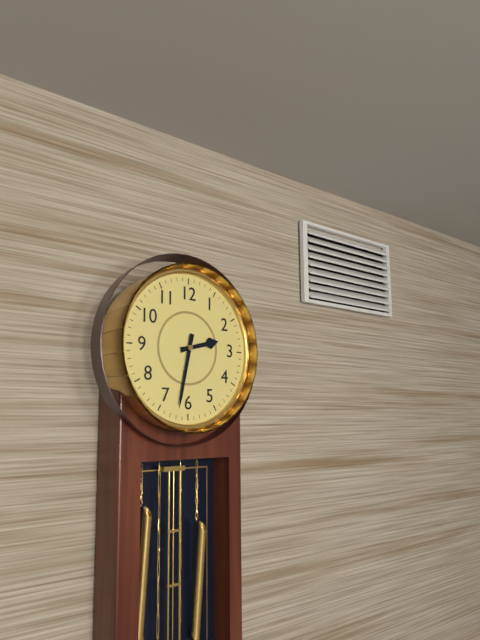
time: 2:32
